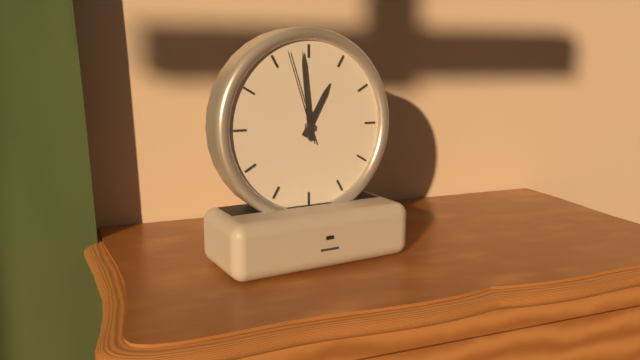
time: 12:59:57
